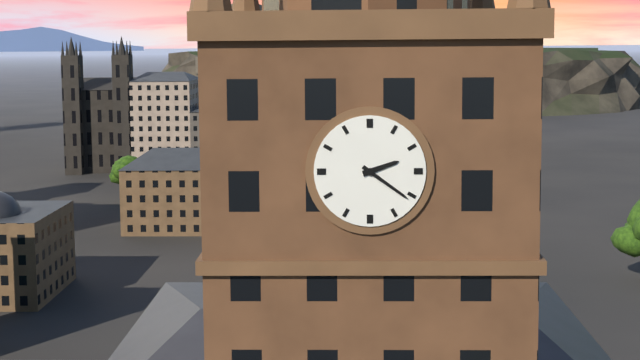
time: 2:21
